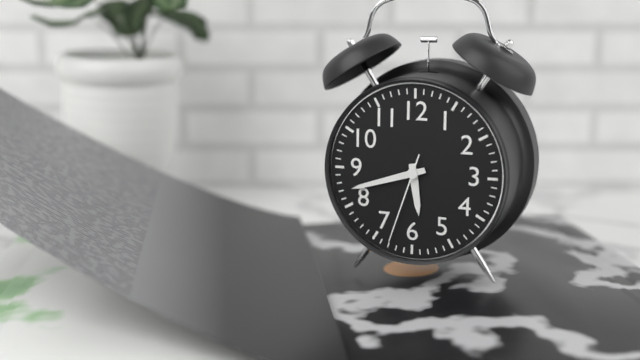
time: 5:42:33
